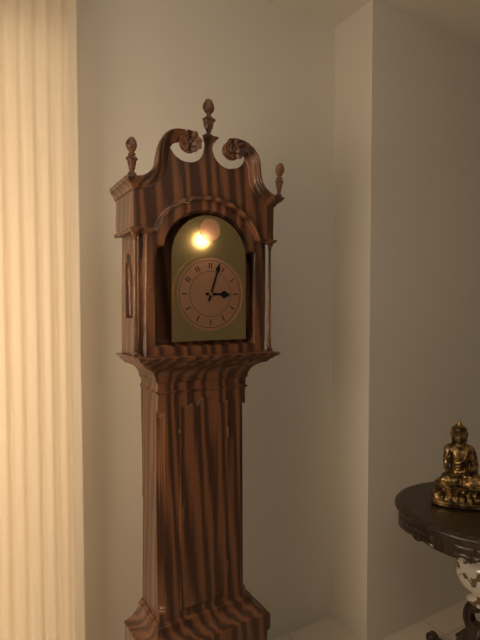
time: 3:03
